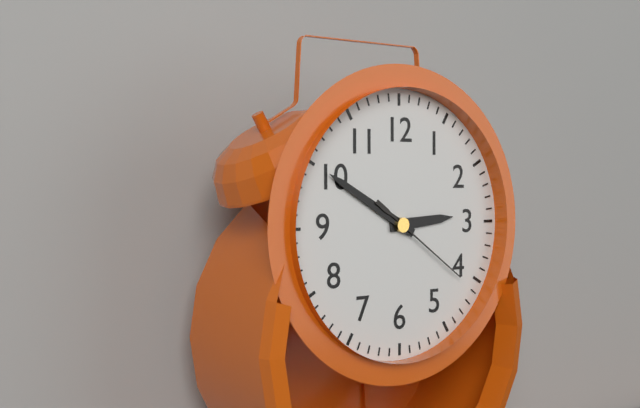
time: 2:50:21
